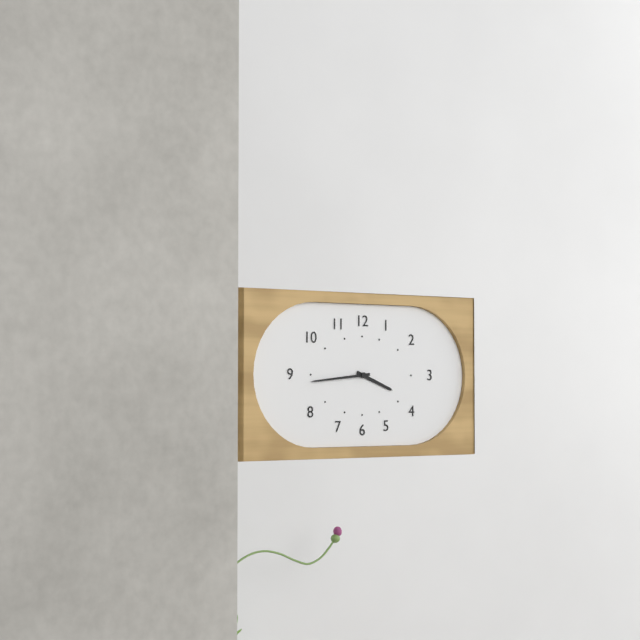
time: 3:44
